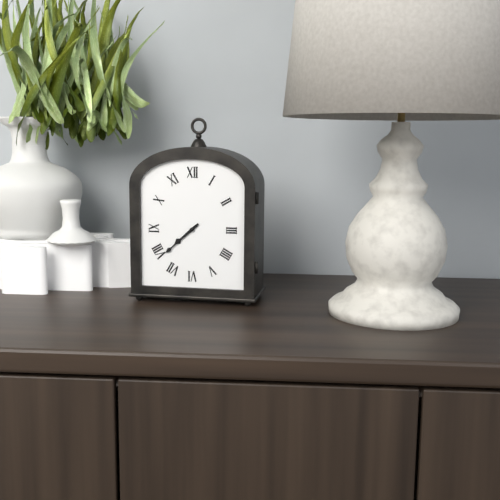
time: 7:38
